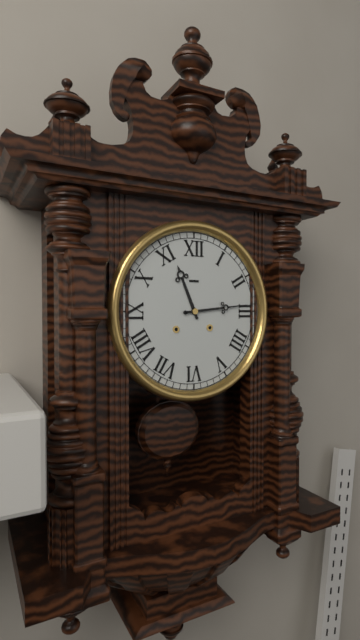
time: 11:14
